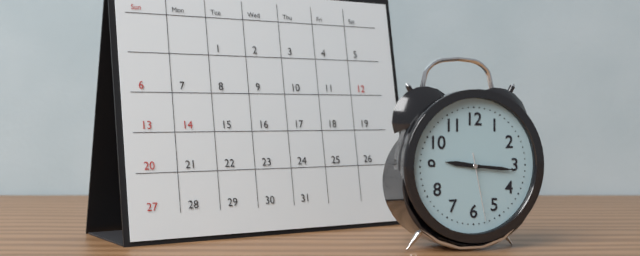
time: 9:16:28
